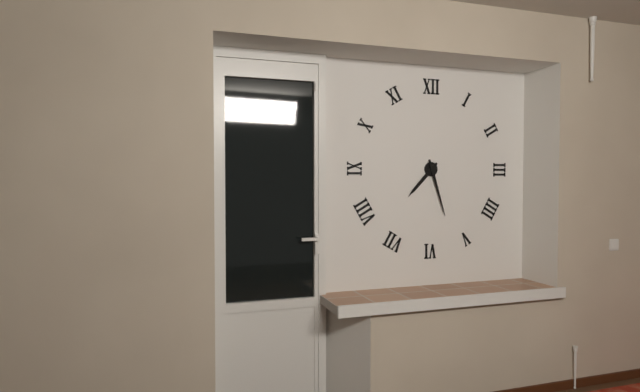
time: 7:27
